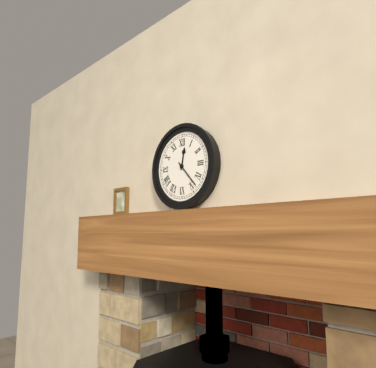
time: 12:23
